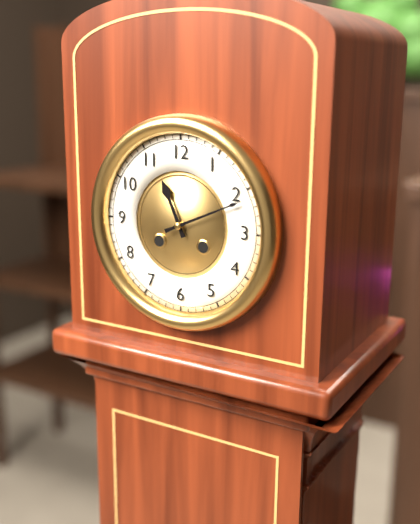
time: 11:11
